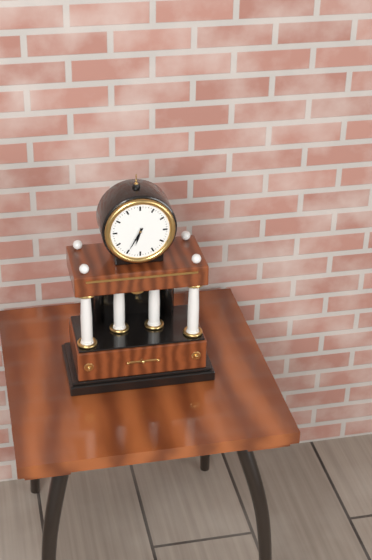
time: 6:35
